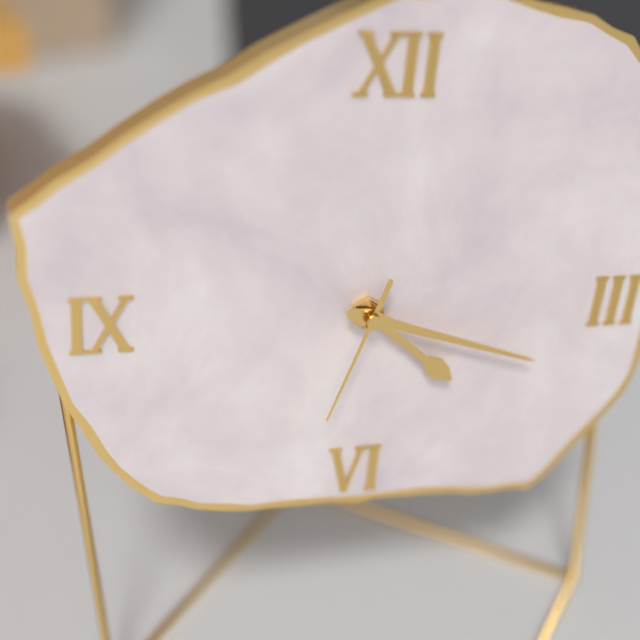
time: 4:18:33
